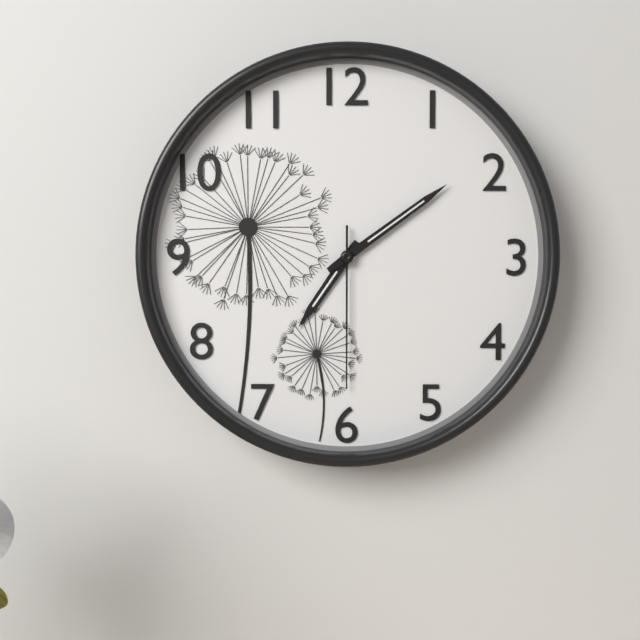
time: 7:09:30
